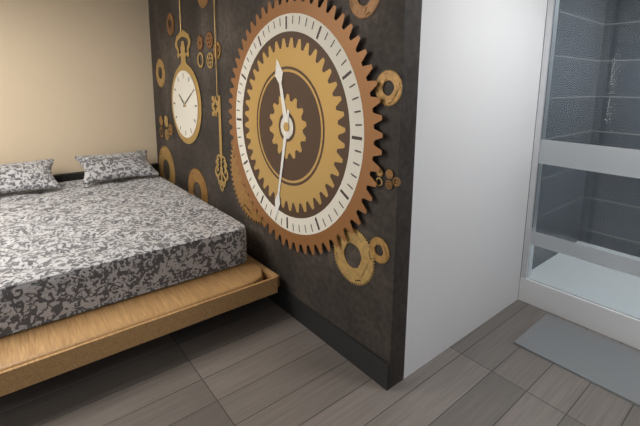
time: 11:32
